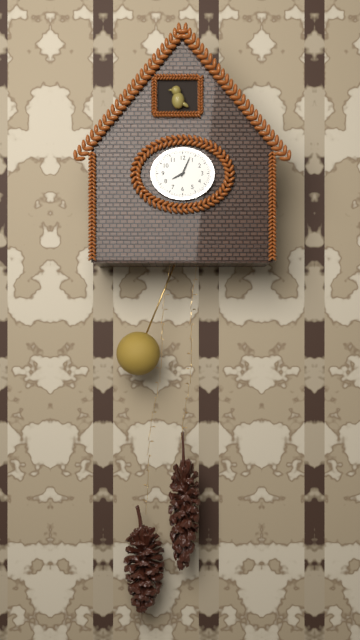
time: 8:04
